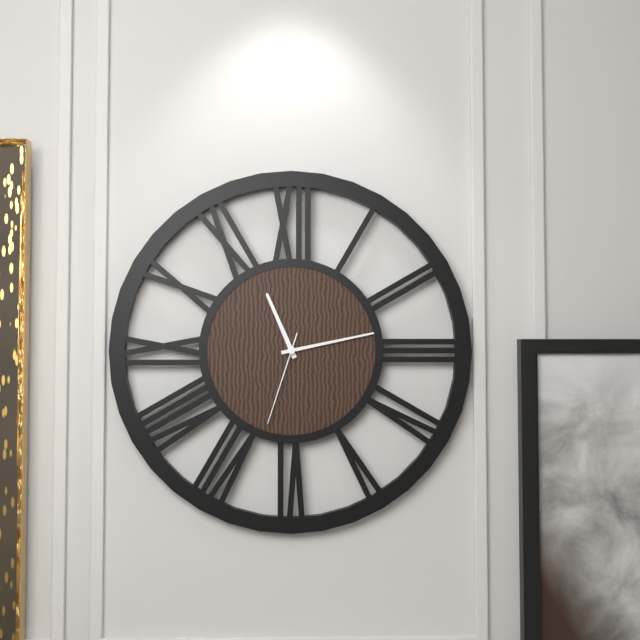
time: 11:13:33
